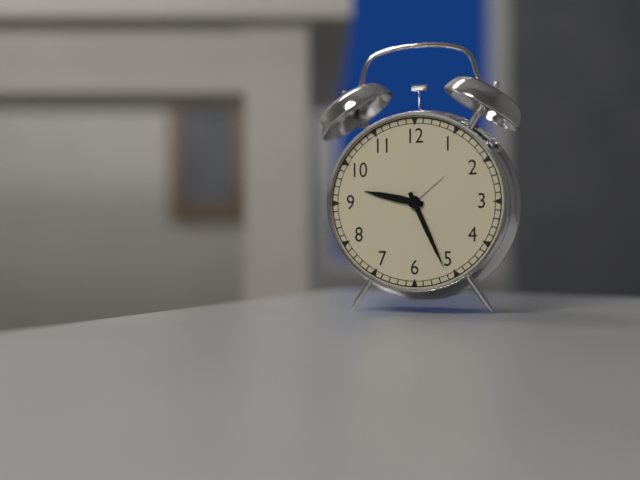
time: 9:26
